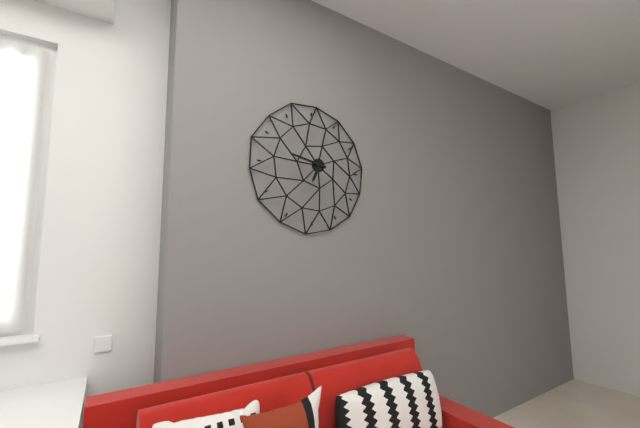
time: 6:47
